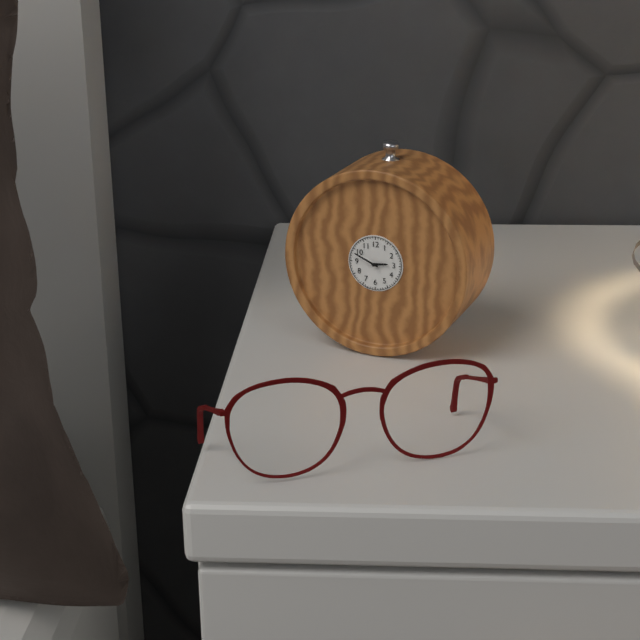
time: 2:49
